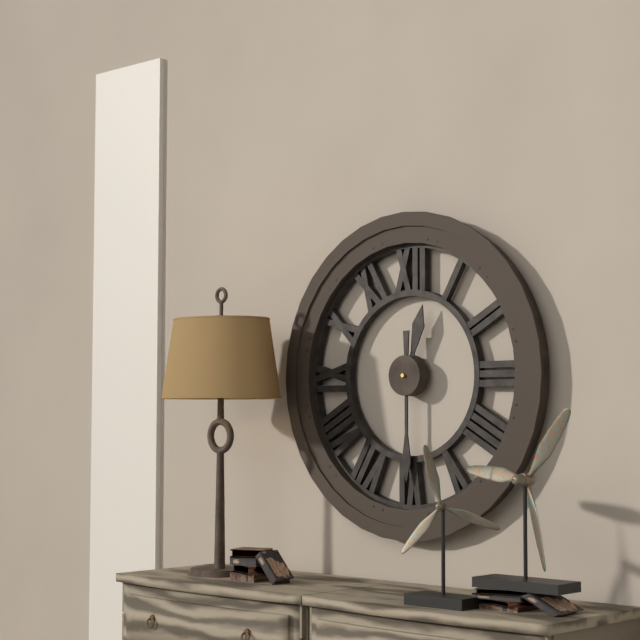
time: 12:30
